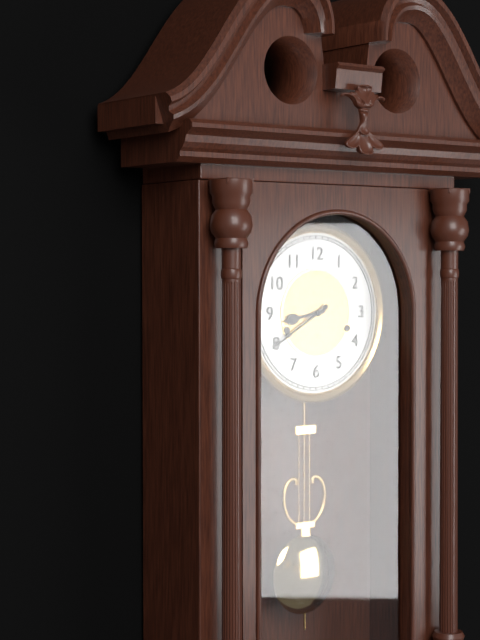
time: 8:40
